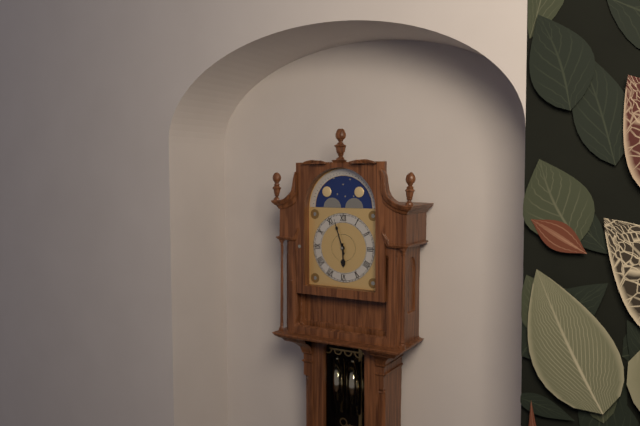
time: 5:57
